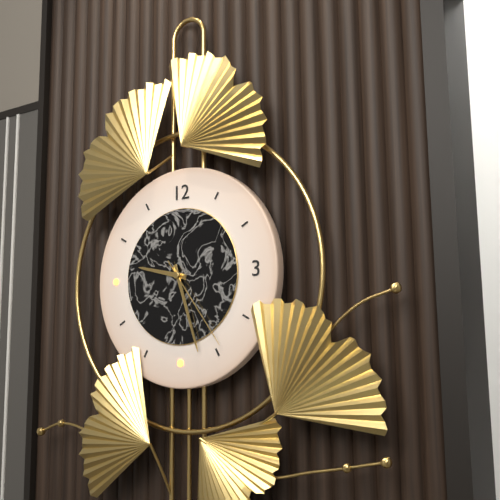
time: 9:27:24
